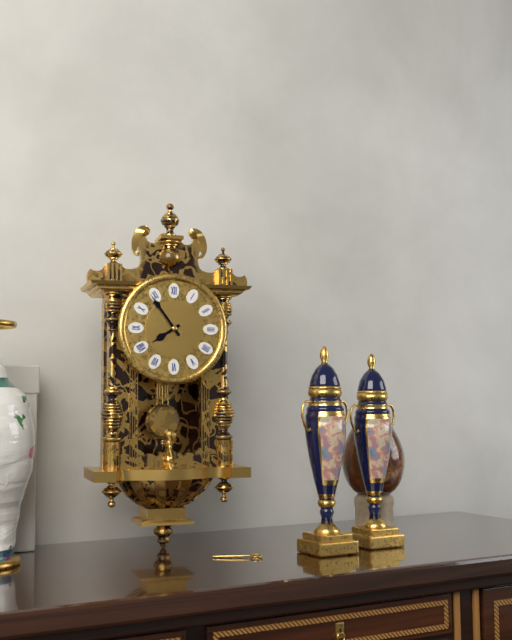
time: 7:54
